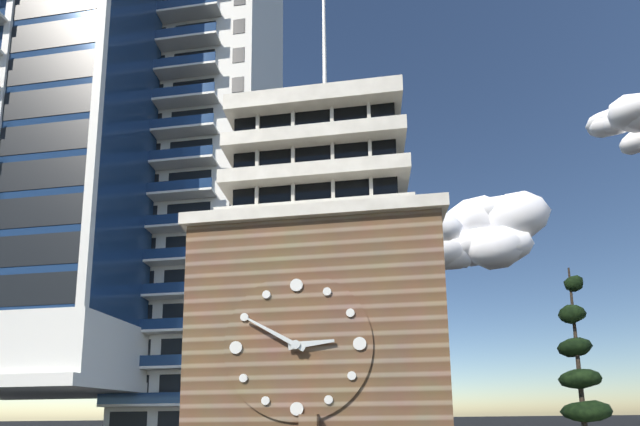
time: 2:50
